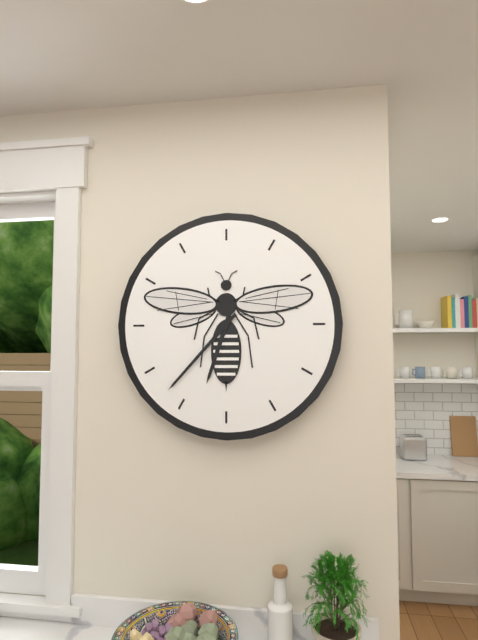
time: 6:37
